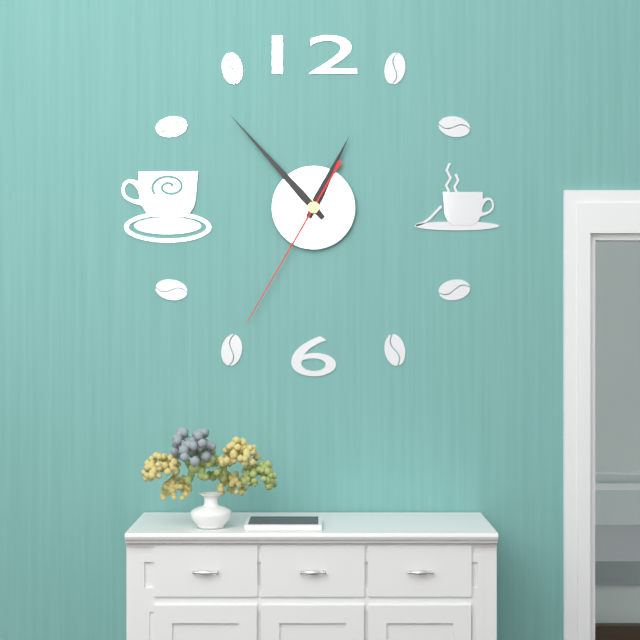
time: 12:53:35
